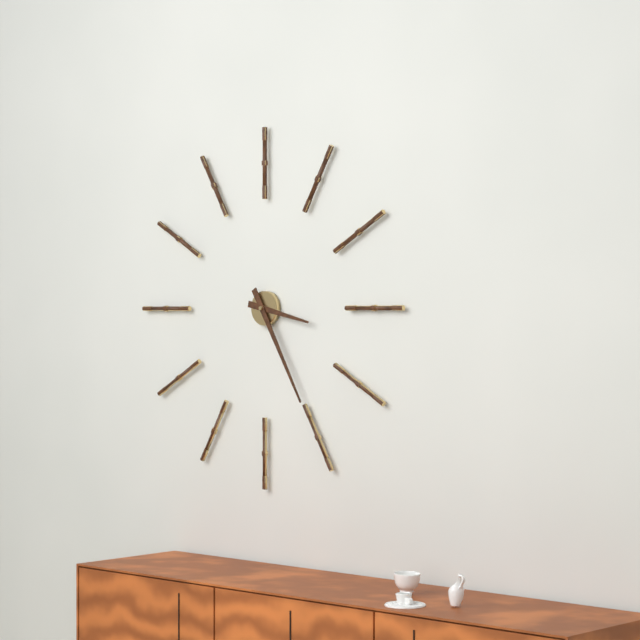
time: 3:25
